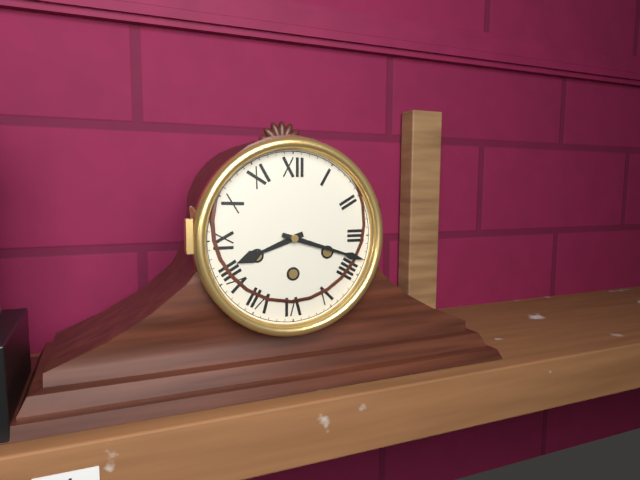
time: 8:18
